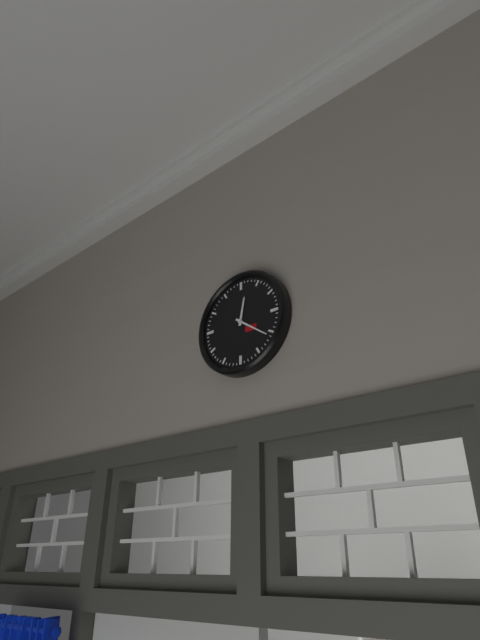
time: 12:21
